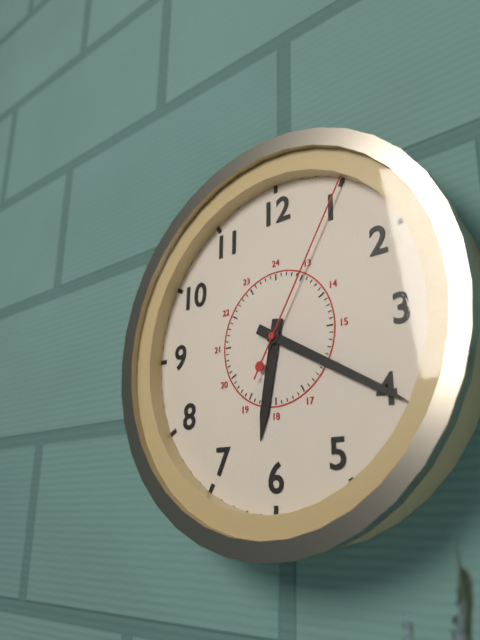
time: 6:20:05
